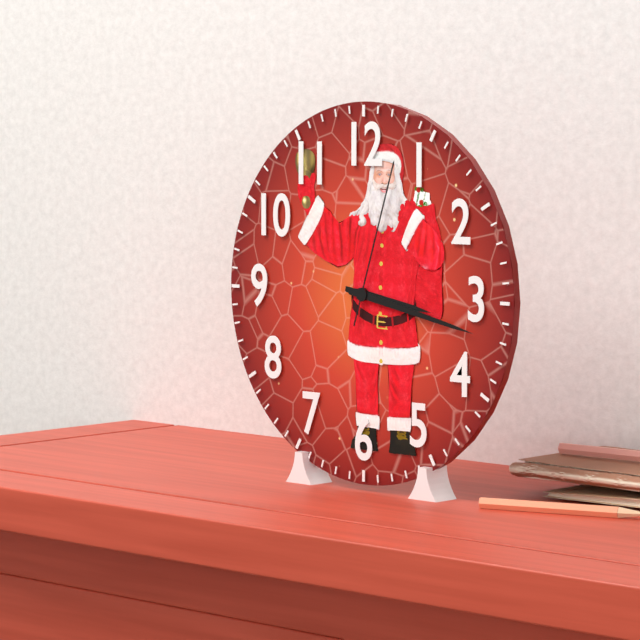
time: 3:17:03
